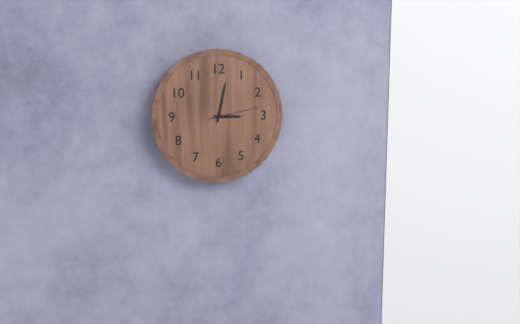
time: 3:02:13
